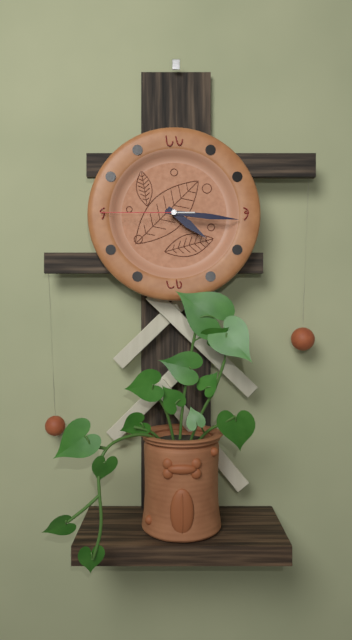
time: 4:16:45
